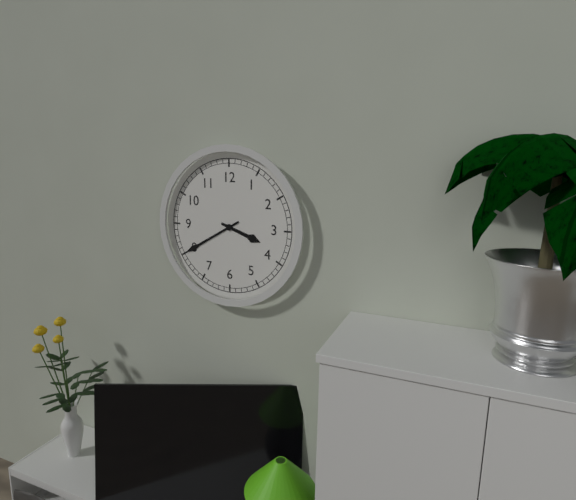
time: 3:40
